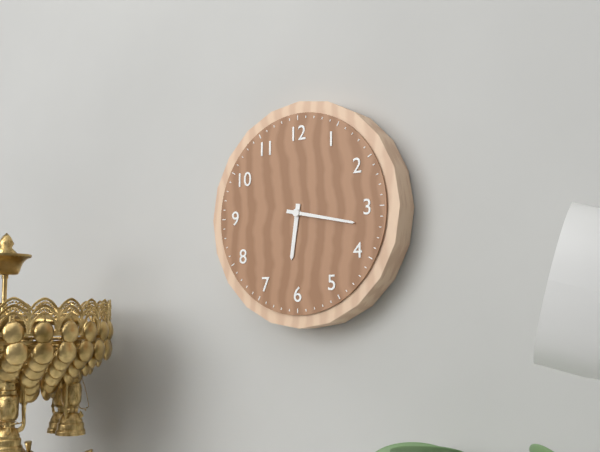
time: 6:17
